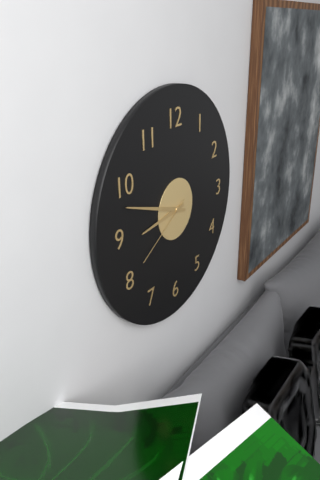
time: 8:48:40
